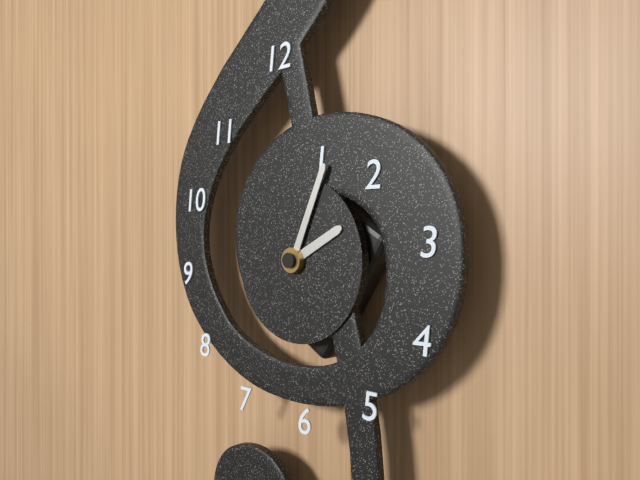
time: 2:04
